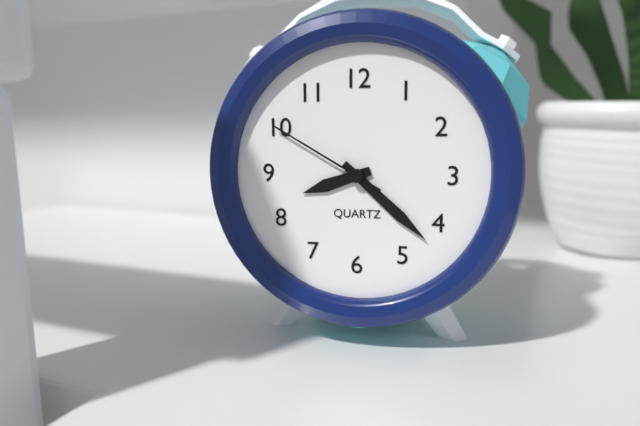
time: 8:22:50
